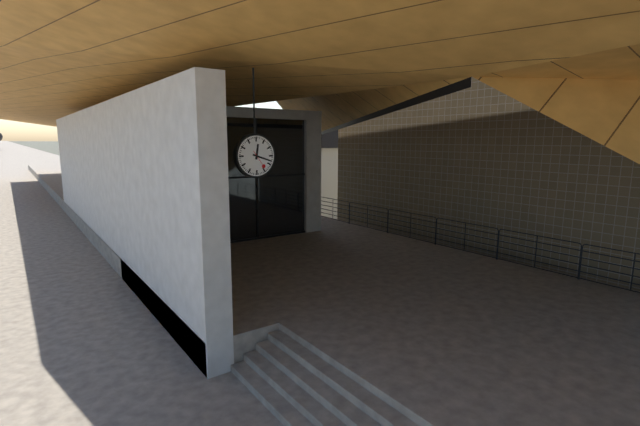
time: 12:18
